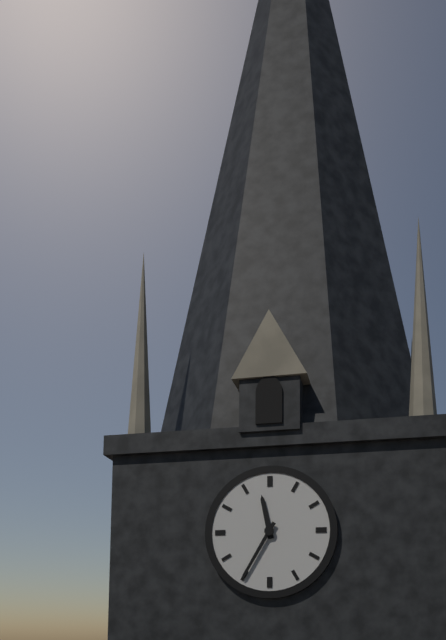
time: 11:35
